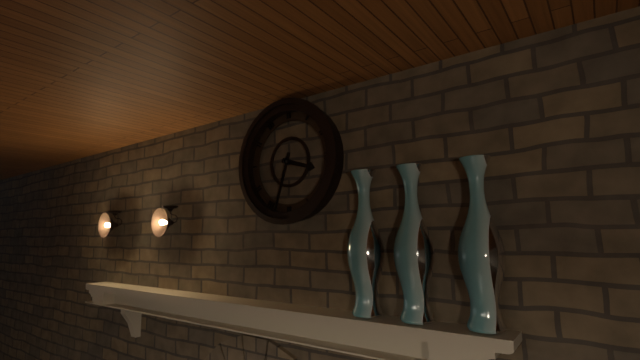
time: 3:33
